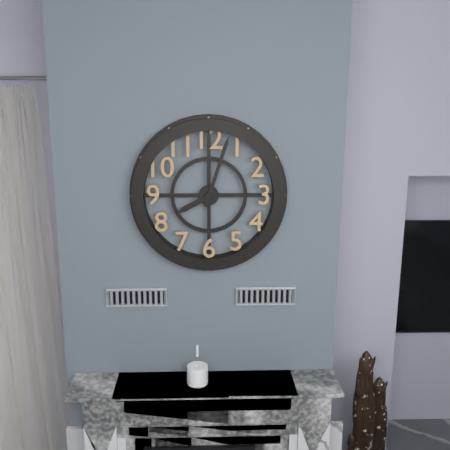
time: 8:03
